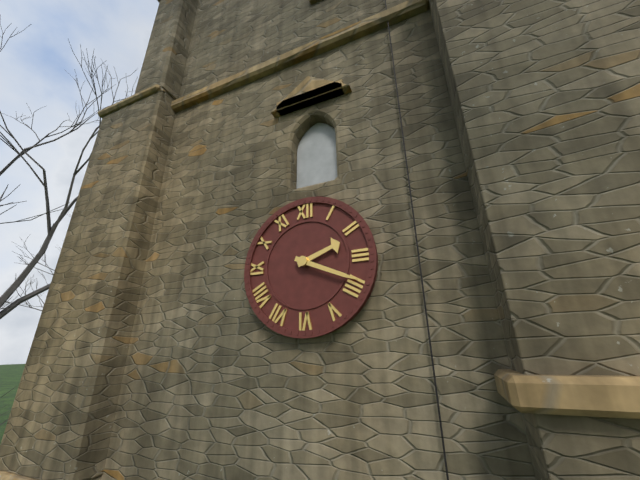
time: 2:19
